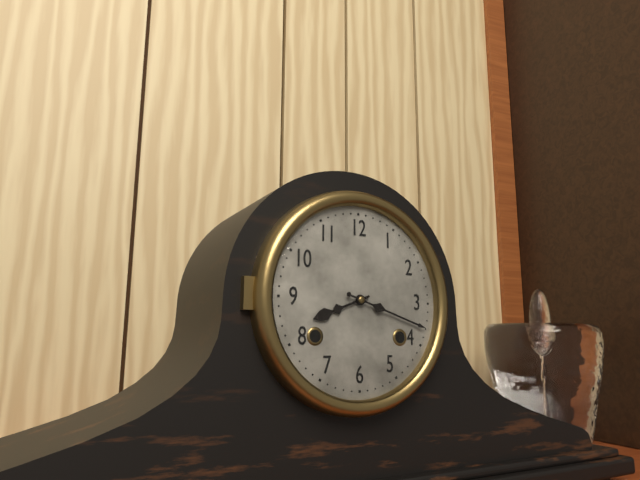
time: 8:18
